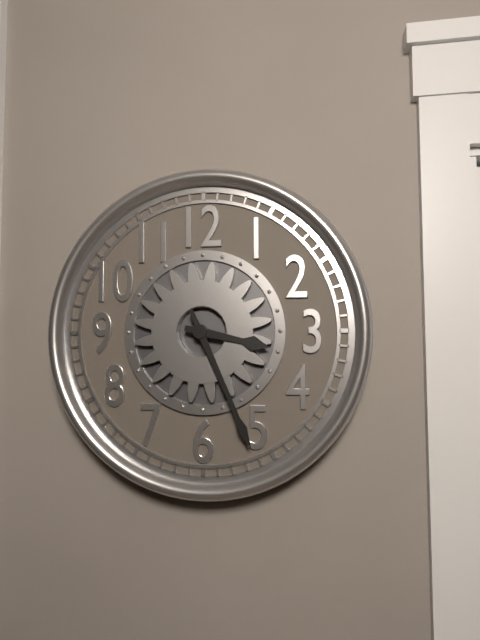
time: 3:26
